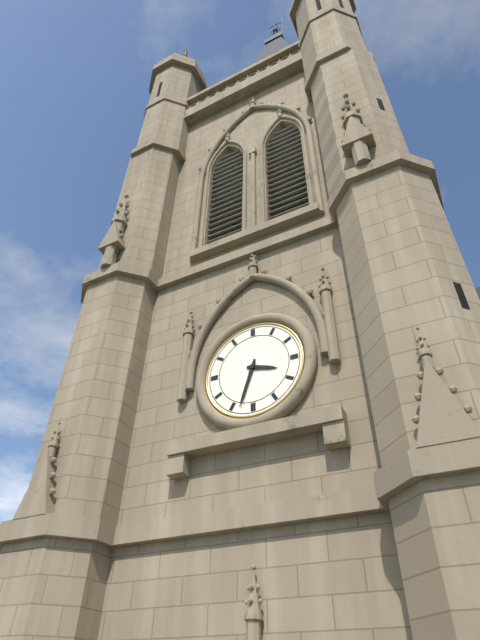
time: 3:33
